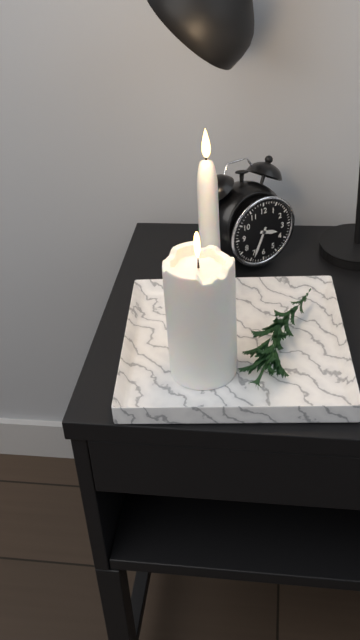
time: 3:34
